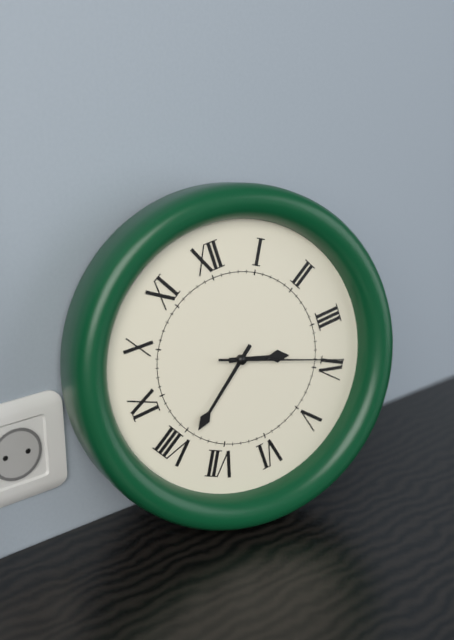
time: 3:39:19
